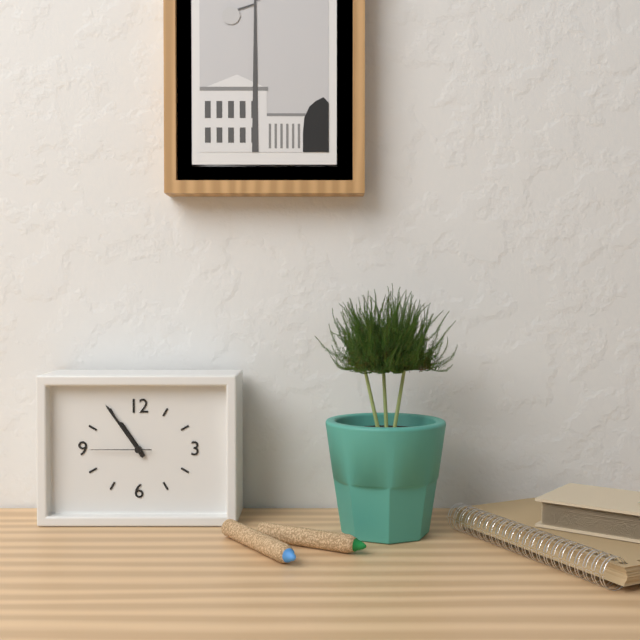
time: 10:54:45
